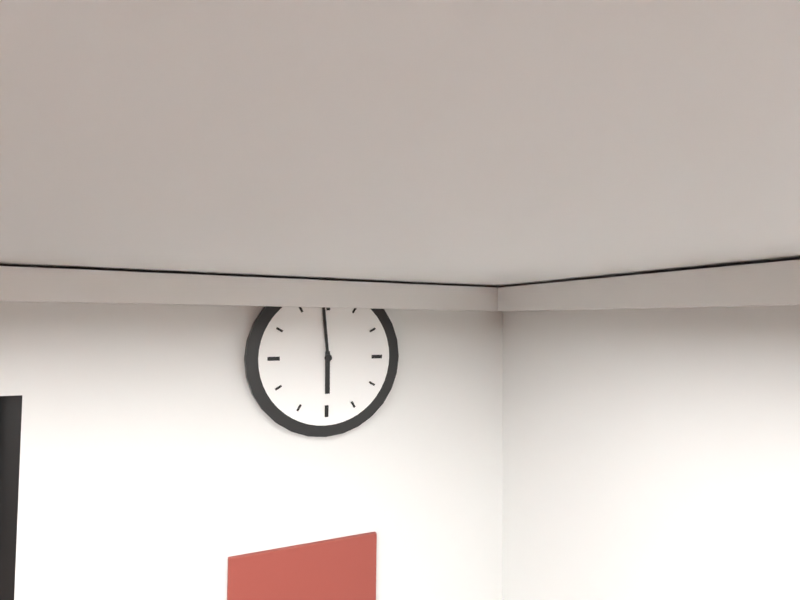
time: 5:59
